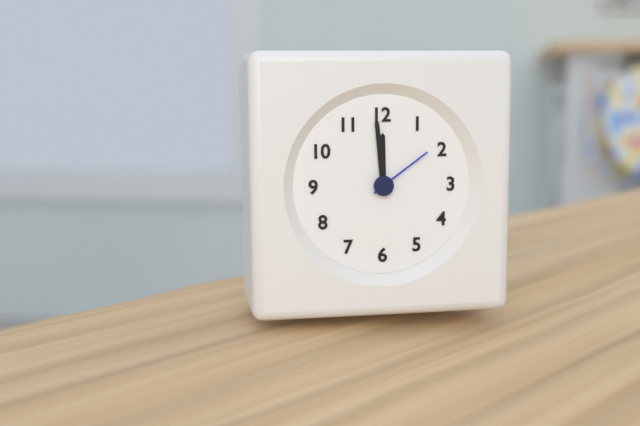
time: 11:59:09
